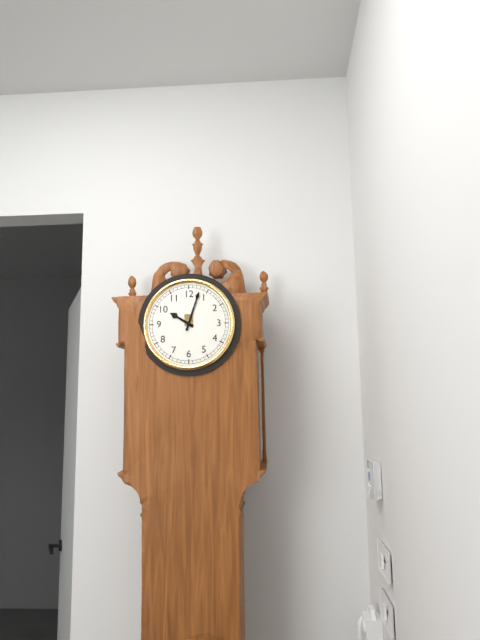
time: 10:03
